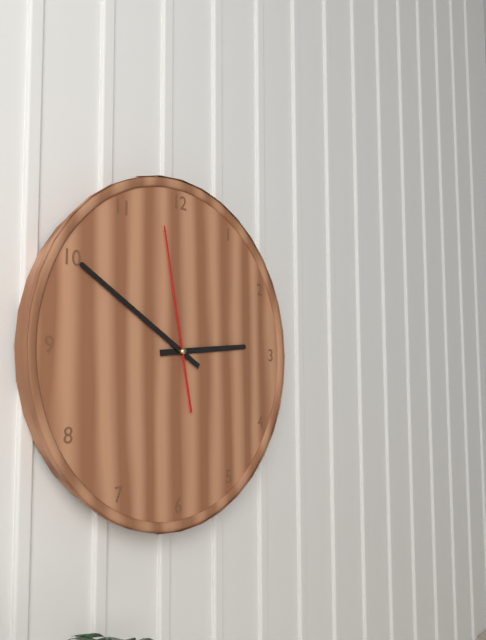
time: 2:50:58
